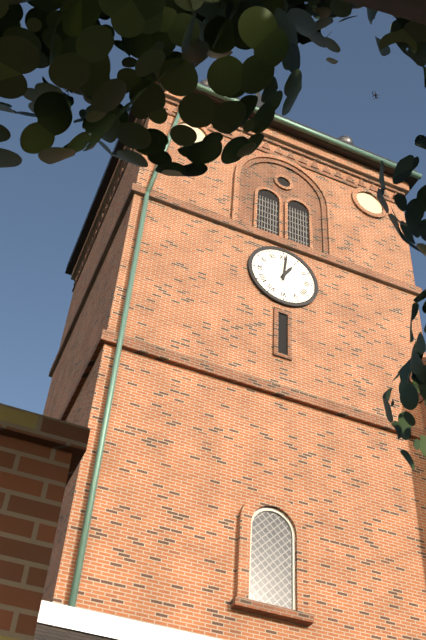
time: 1:01
